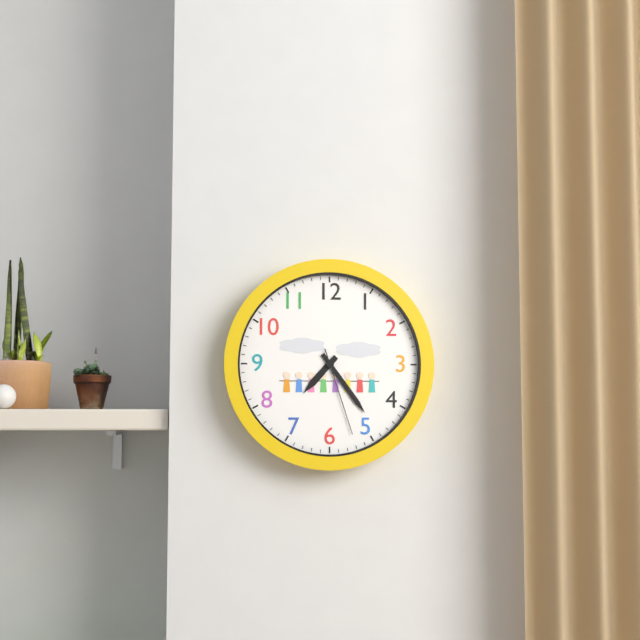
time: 7:24:27
